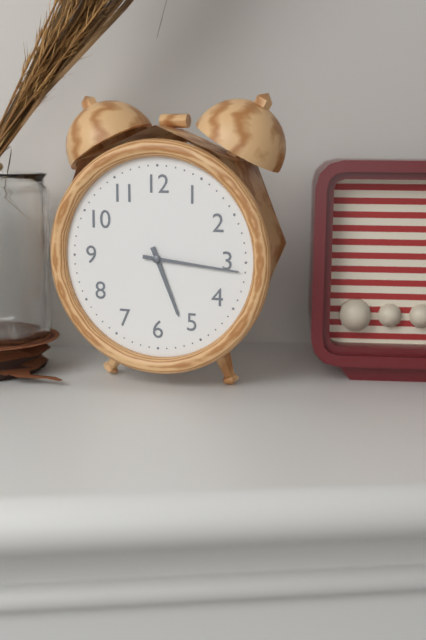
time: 5:16
